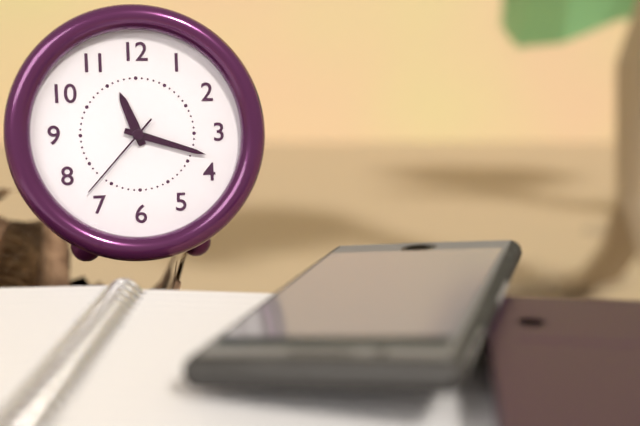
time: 11:18:37
